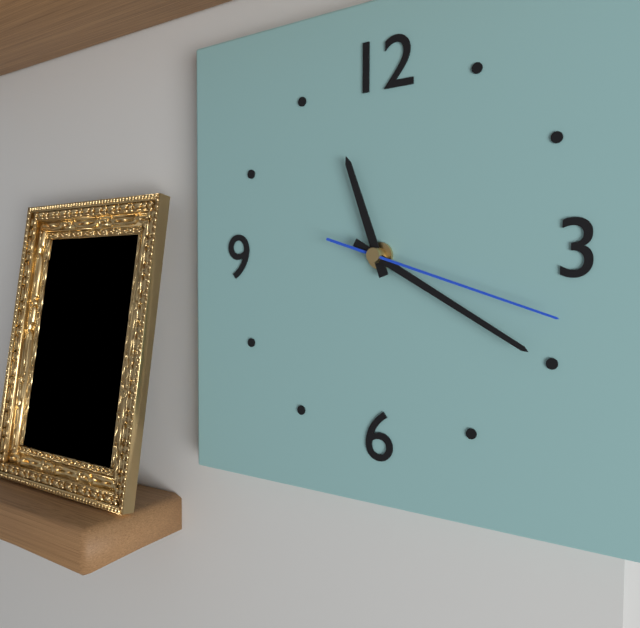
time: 11:20:18
